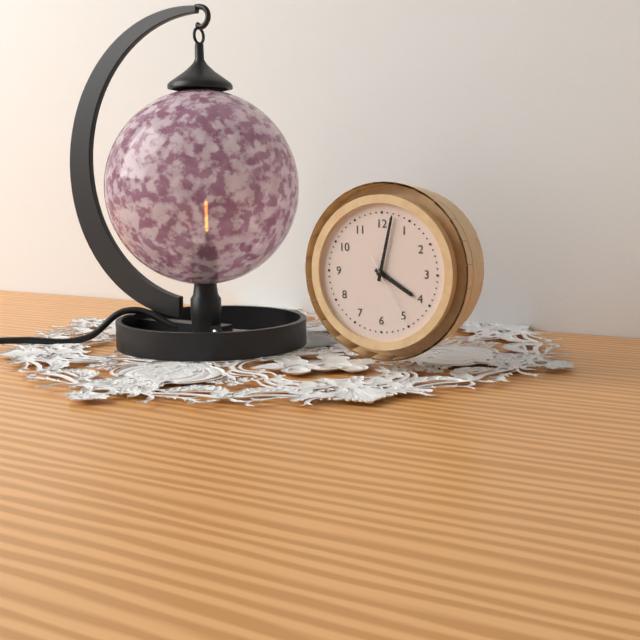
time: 4:02:25
